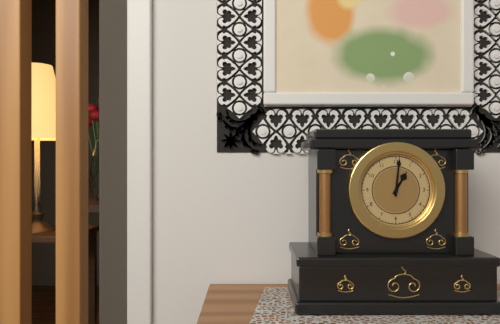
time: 1:01
